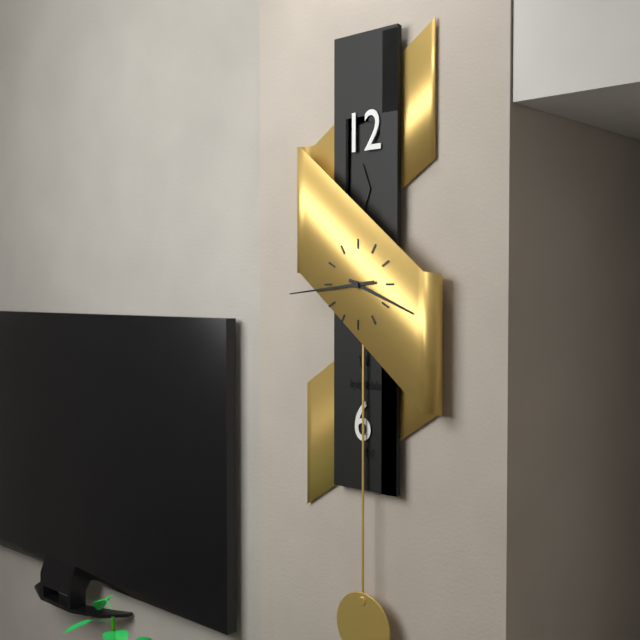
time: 3:44
